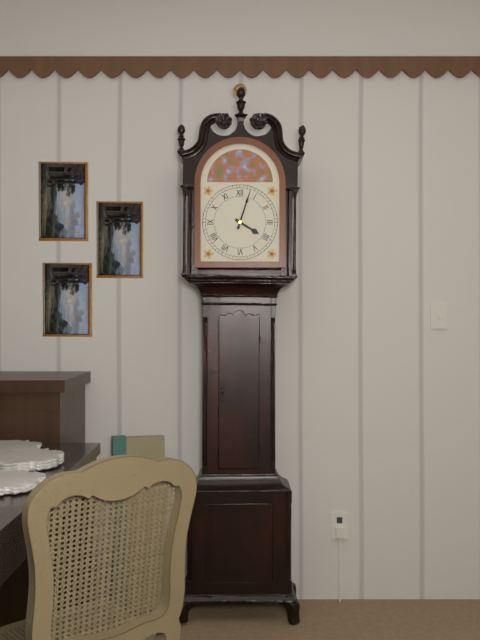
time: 4:03
